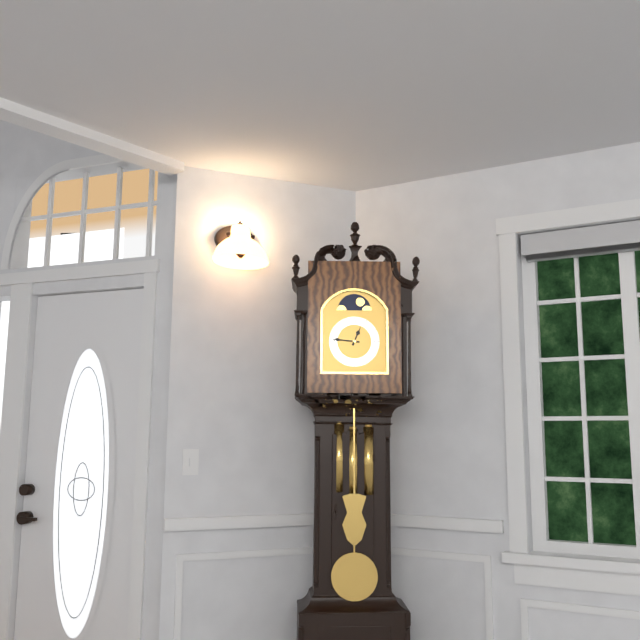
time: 12:46
